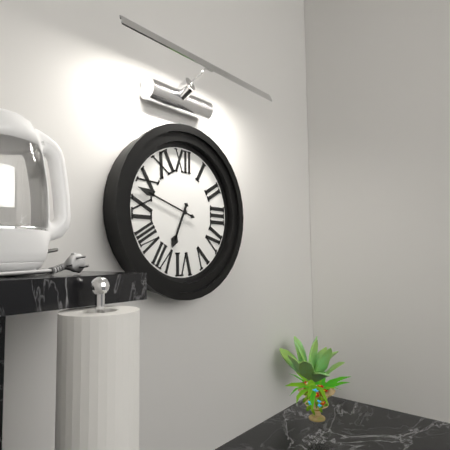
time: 6:48
